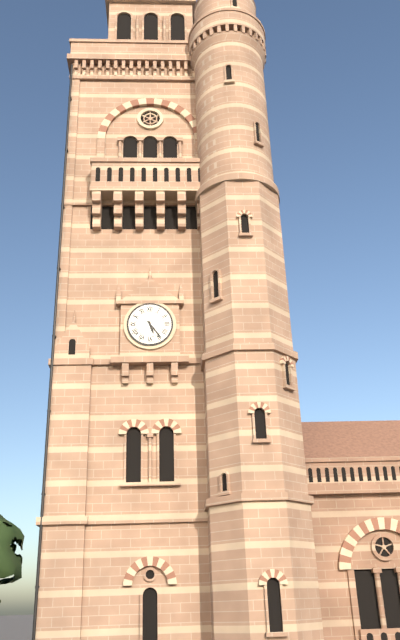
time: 5:24
